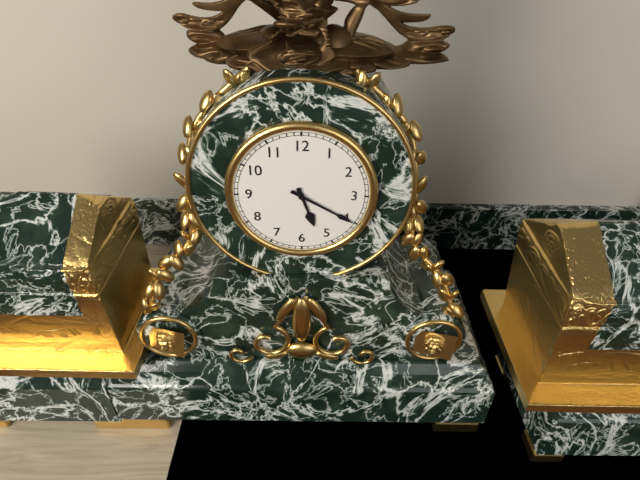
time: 5:20
